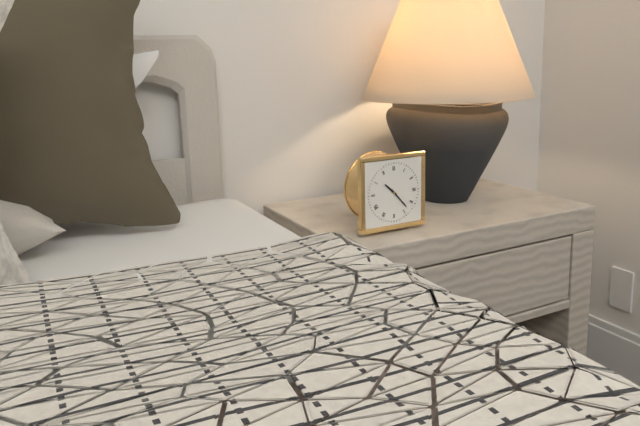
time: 10:23
